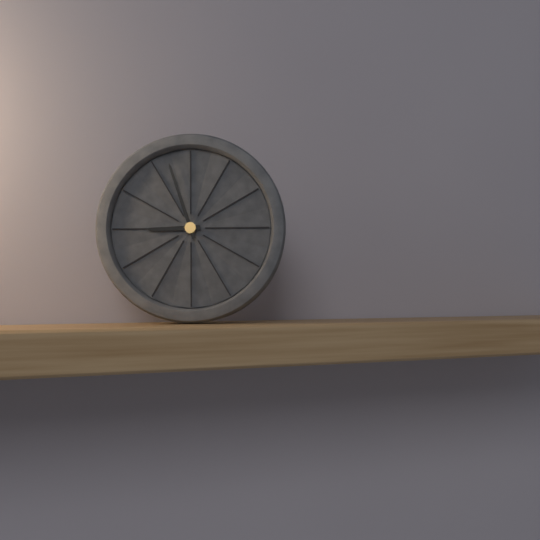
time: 8:57
